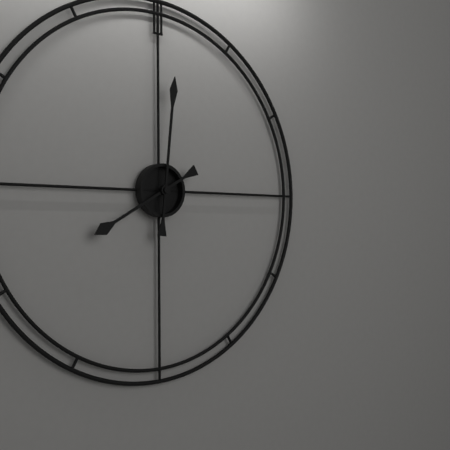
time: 8:01
